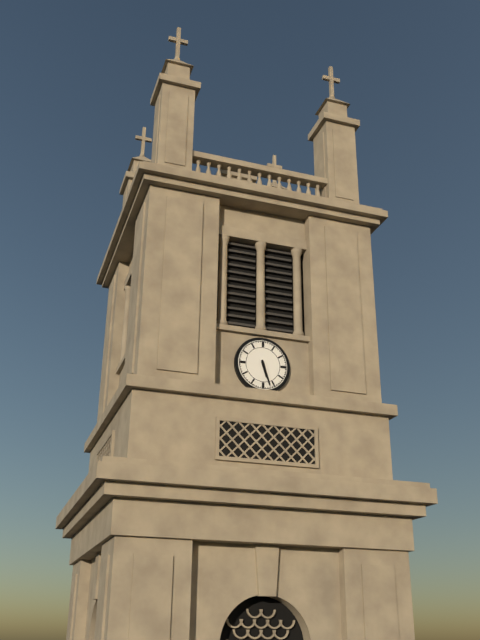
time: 5:27
